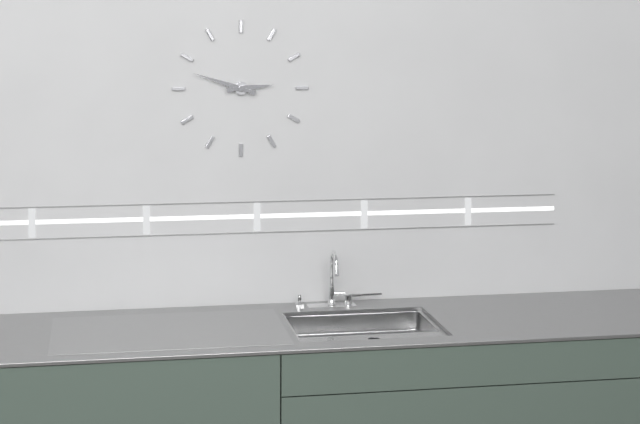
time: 2:48
